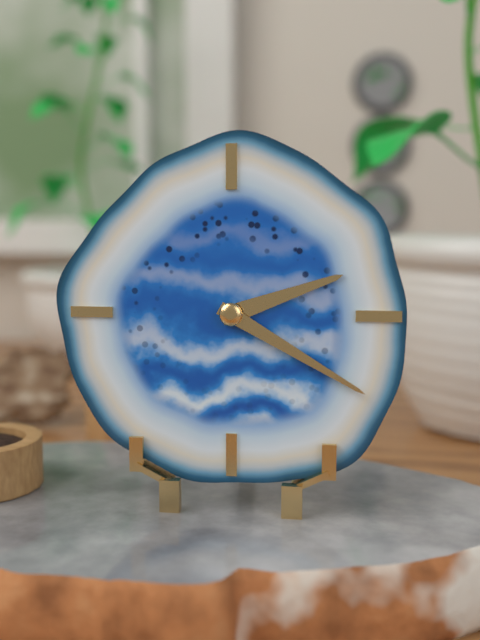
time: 2:20
